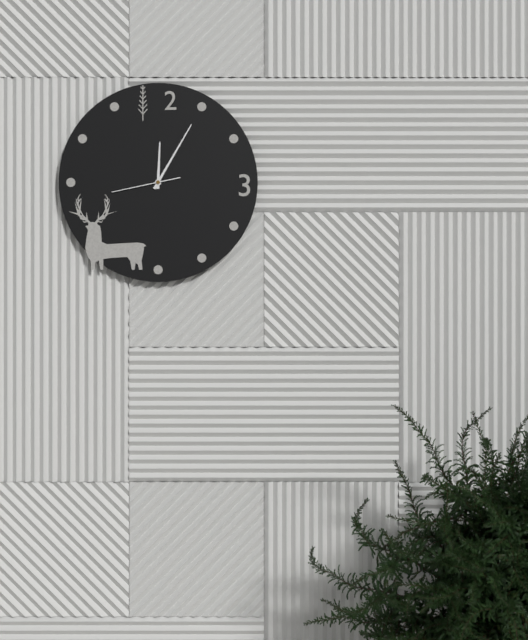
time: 12:05:43
